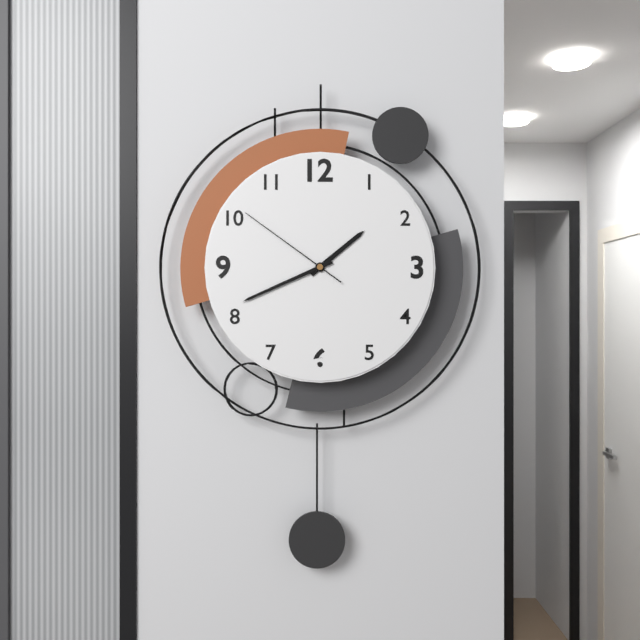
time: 1:41:51
